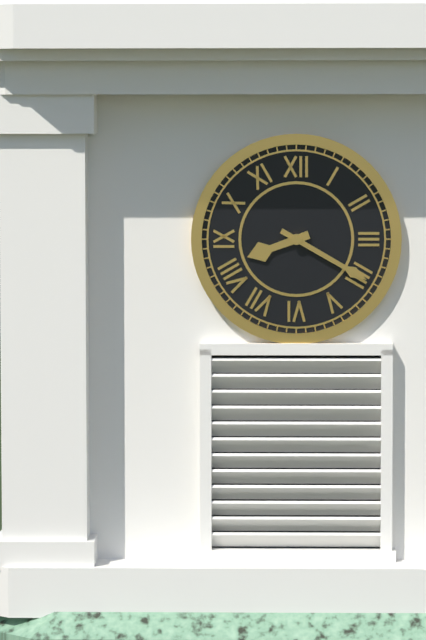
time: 8:20
